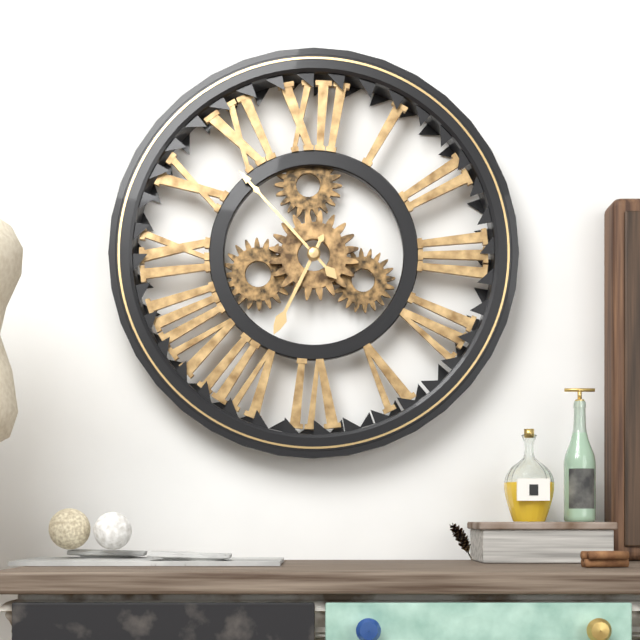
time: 6:53
